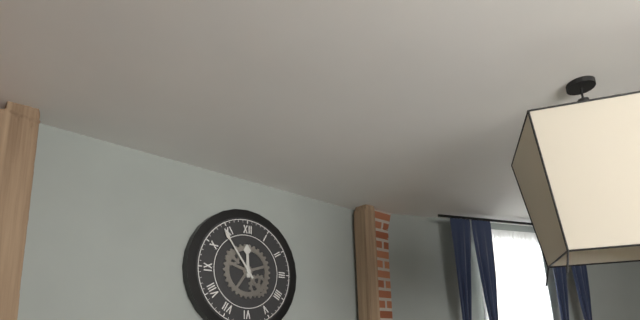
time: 11:54
